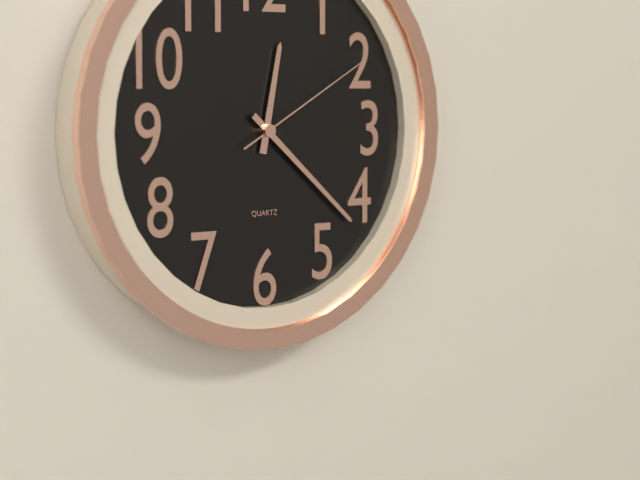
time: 12:22:10
